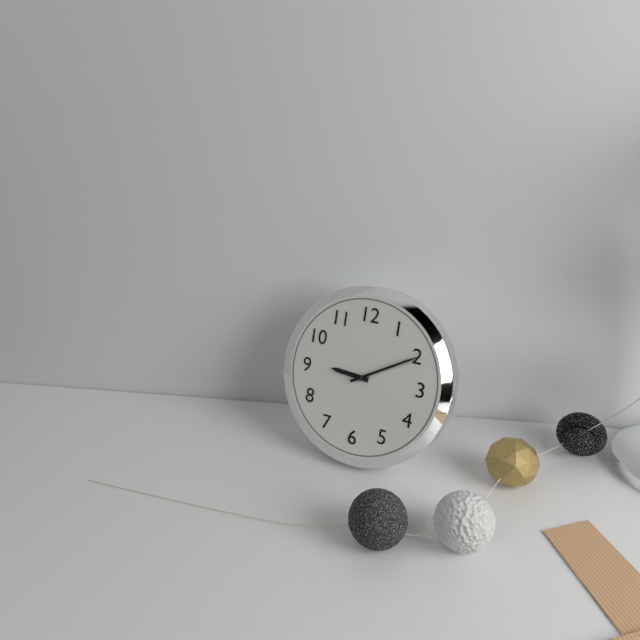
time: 9:10
